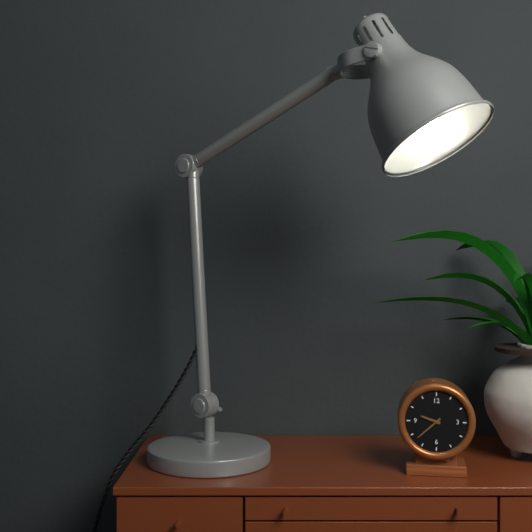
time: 9:38
